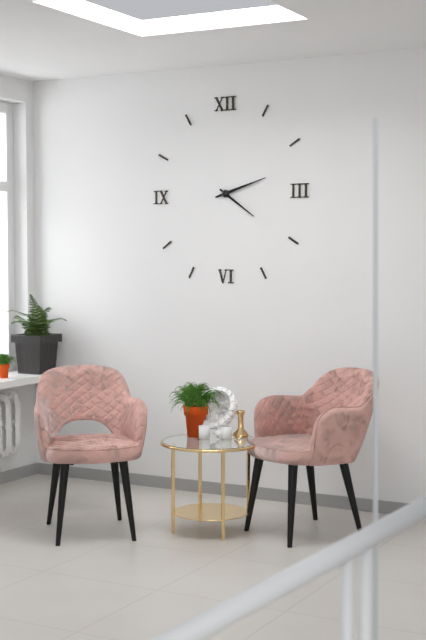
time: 4:12
